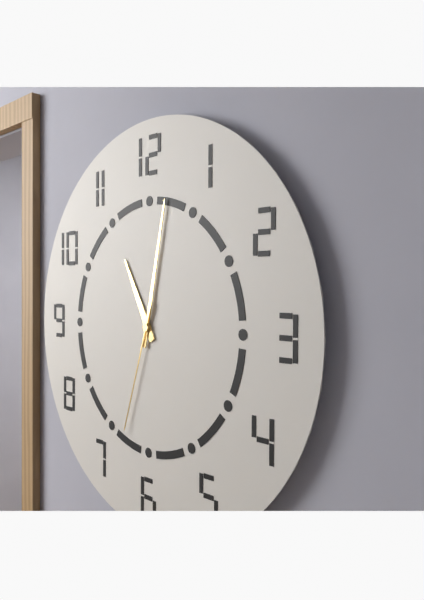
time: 11:02:33
